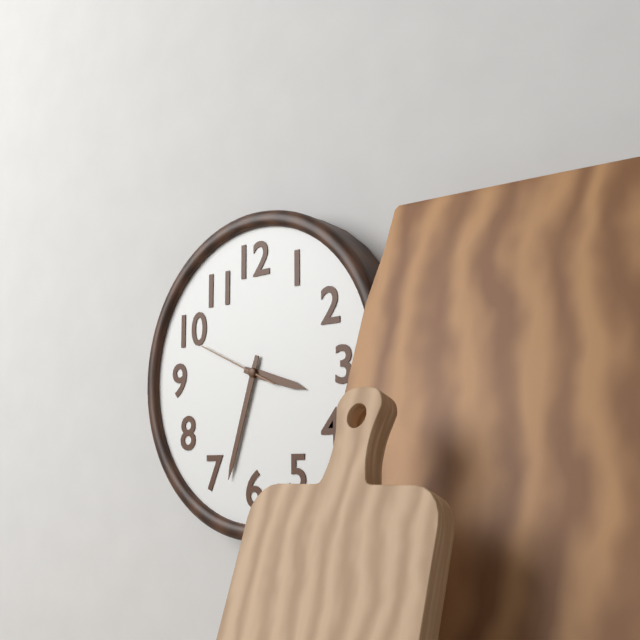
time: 3:33:49
